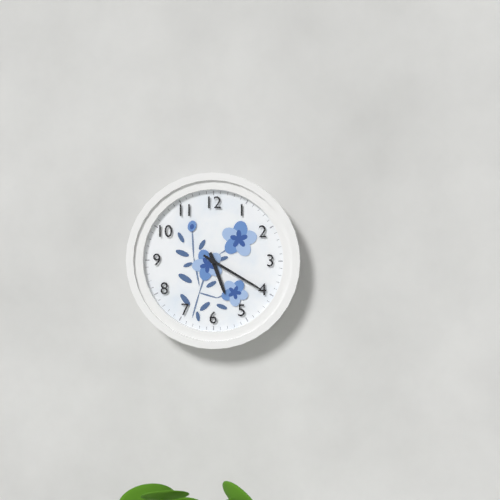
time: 5:20
